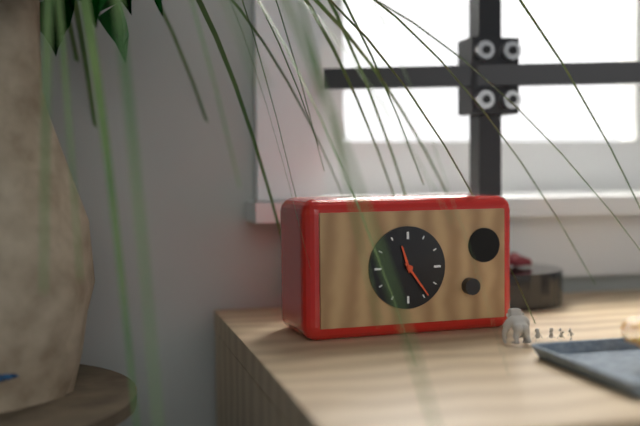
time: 11:24
